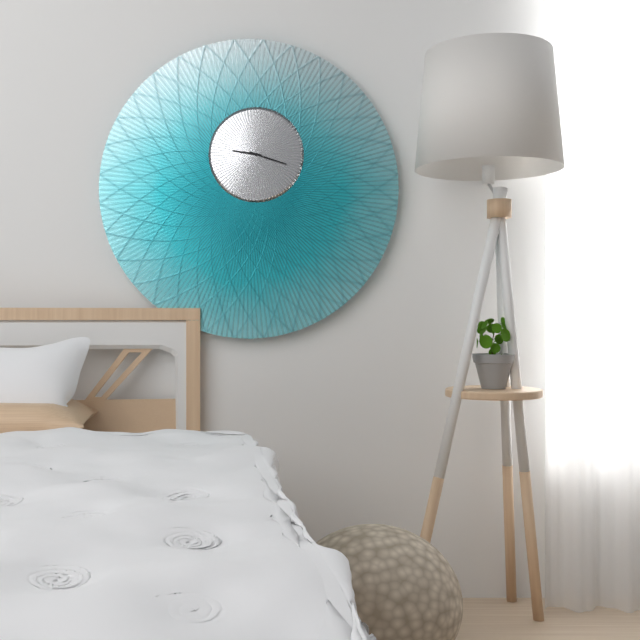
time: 9:18
